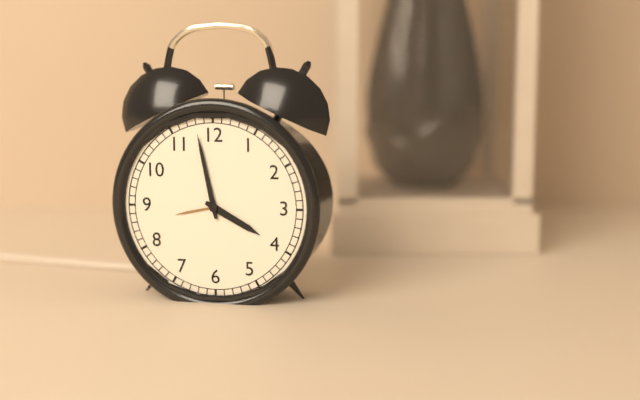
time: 3:58
